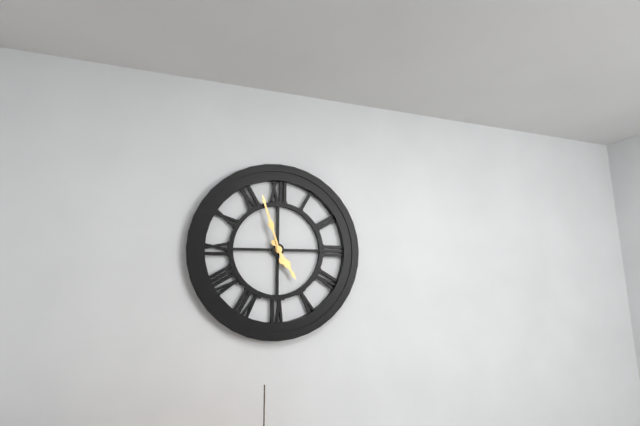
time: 4:57
